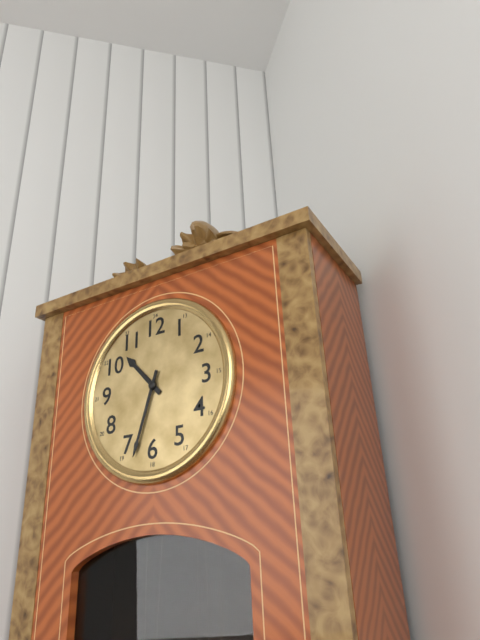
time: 10:33
